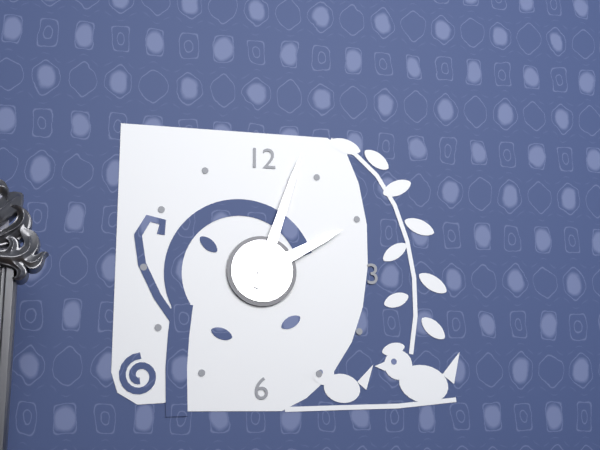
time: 2:03
